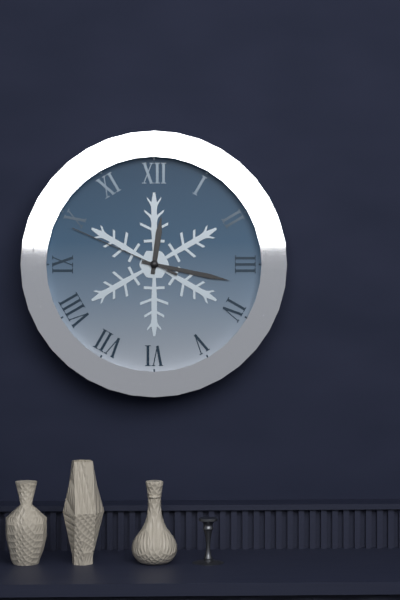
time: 12:17:49
